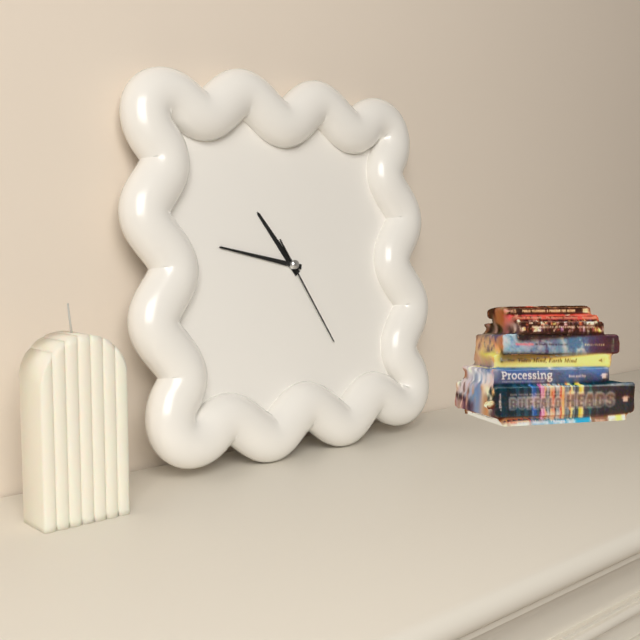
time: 10:47:25
